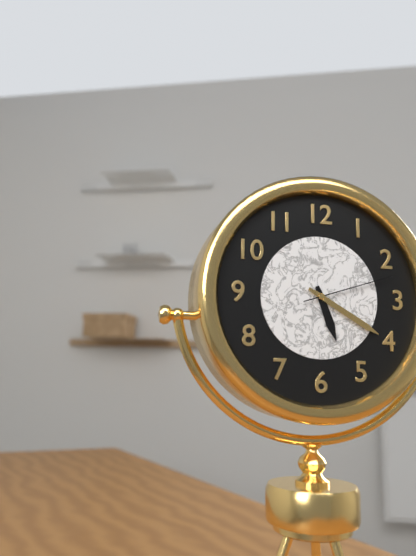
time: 5:20:12
